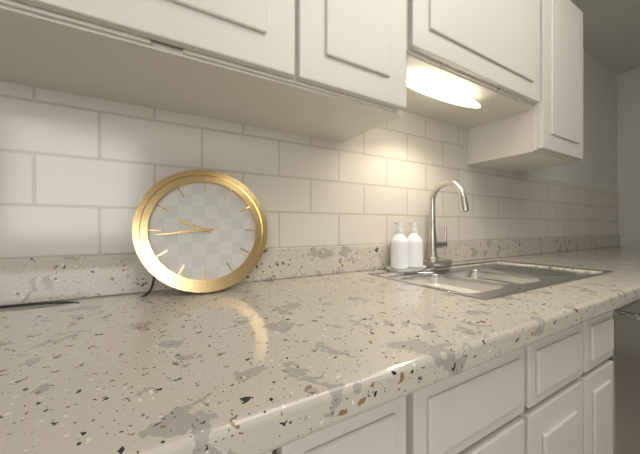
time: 9:44
